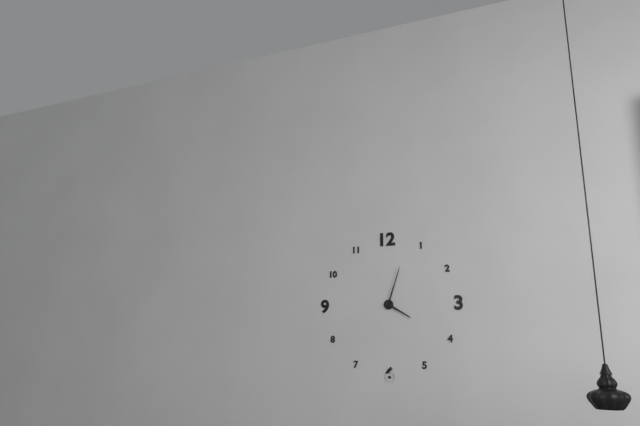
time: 4:03
